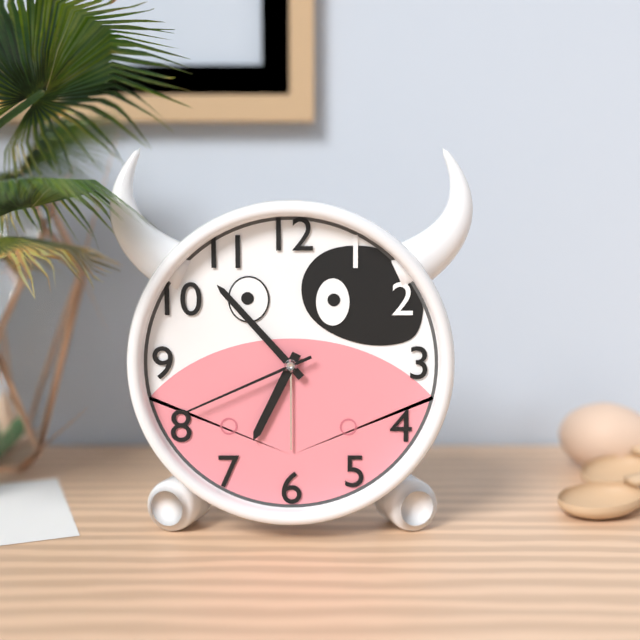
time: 6:53:41
